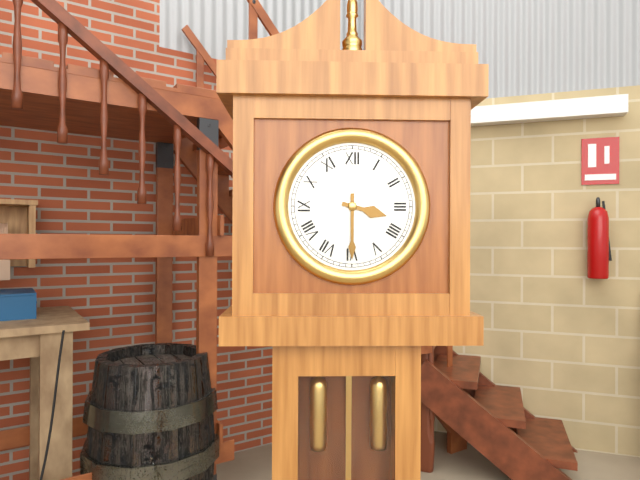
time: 3:30
